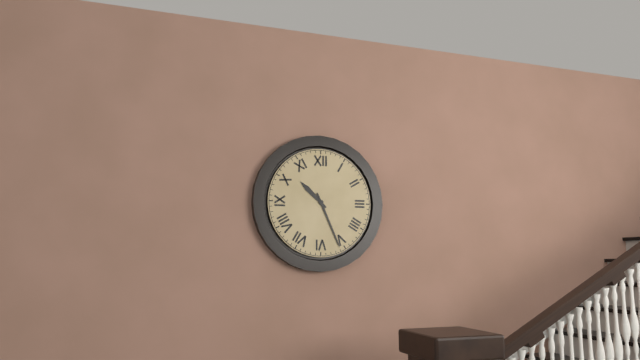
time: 10:26
